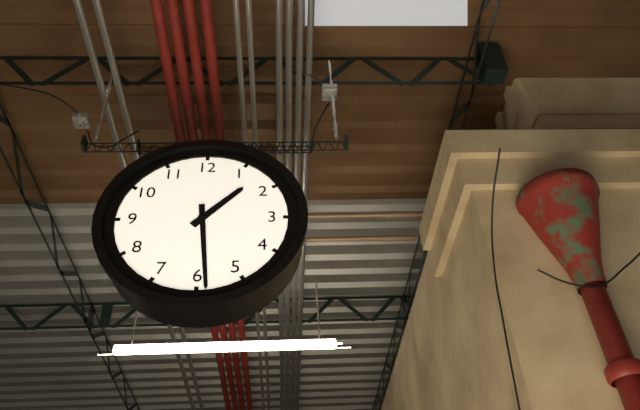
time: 1:29
